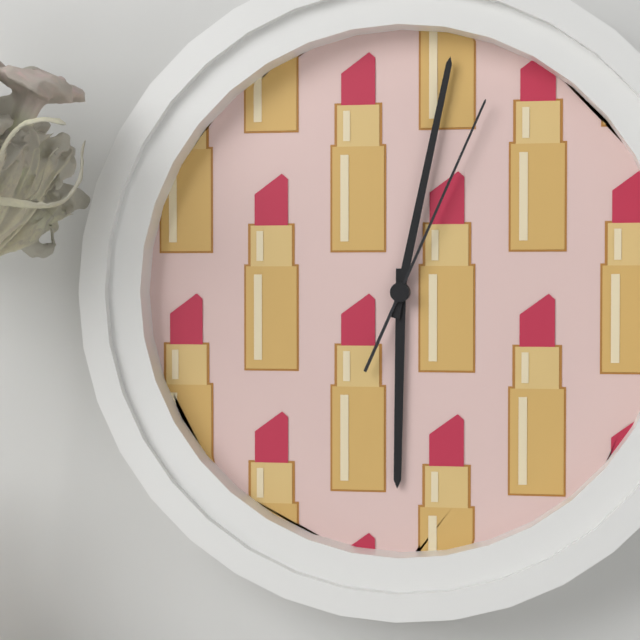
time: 6:02:04
